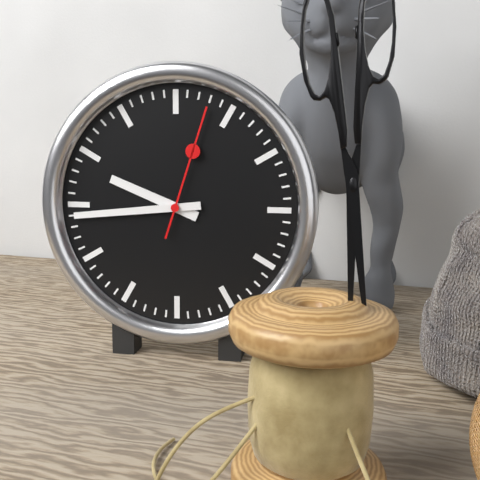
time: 9:44:03
